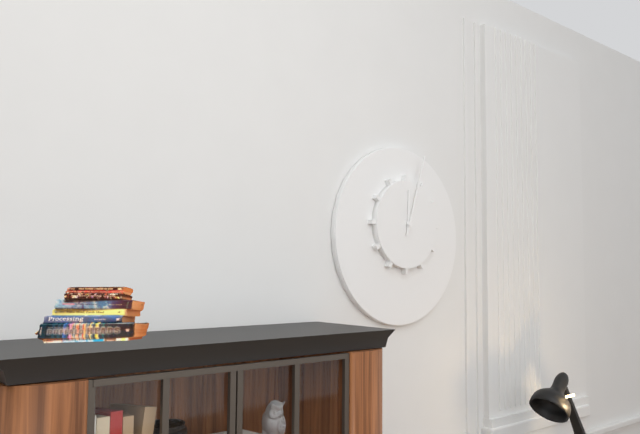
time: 12:03
